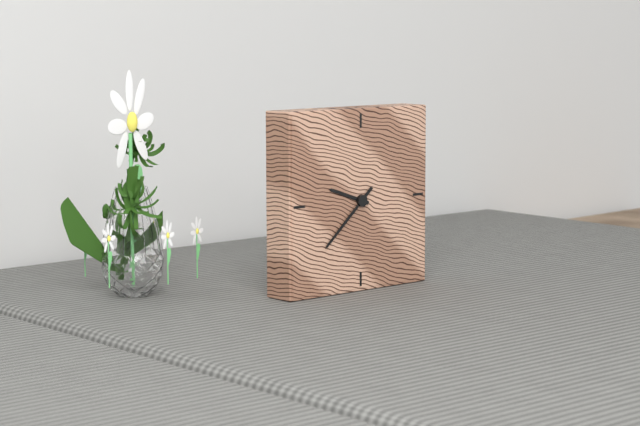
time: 9:38
